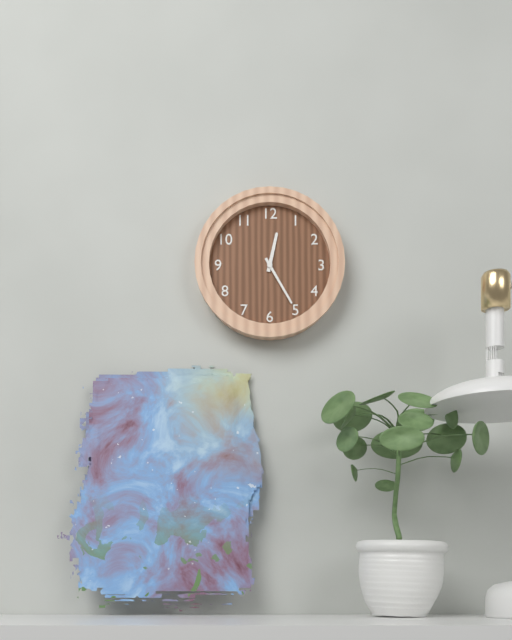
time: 12:25
